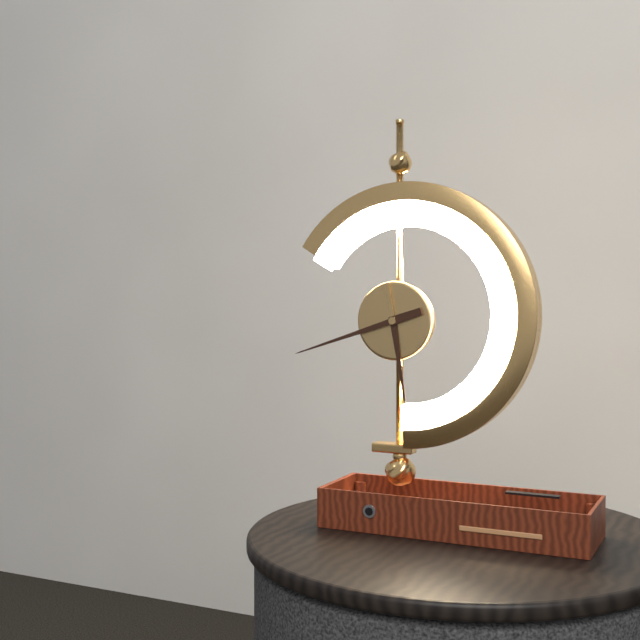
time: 5:42
